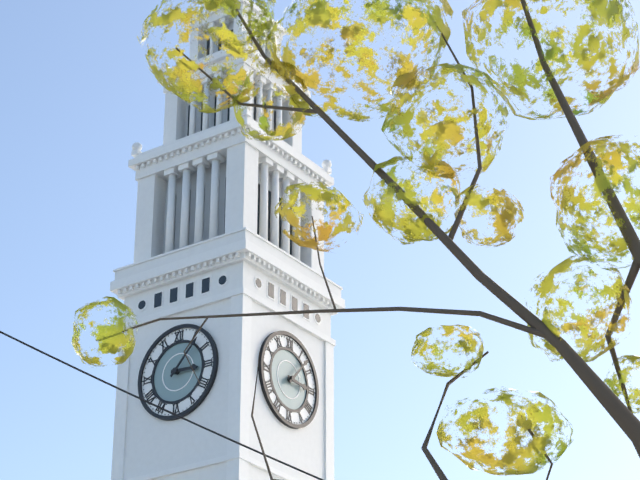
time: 3:07
